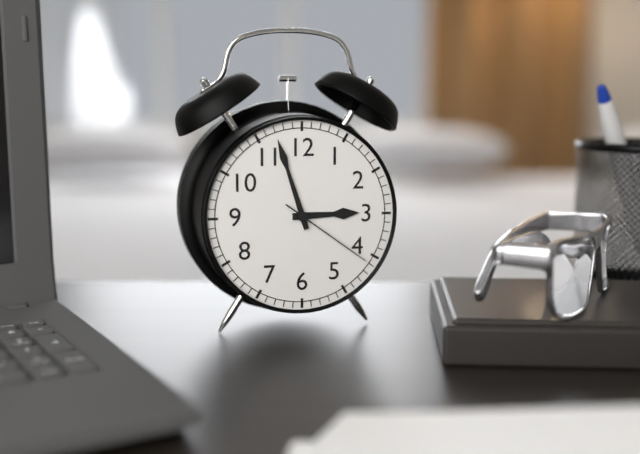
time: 2:57:21
